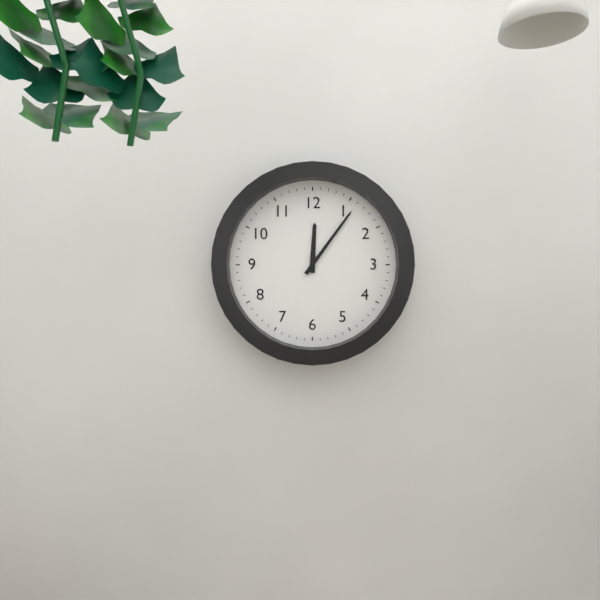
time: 12:06
